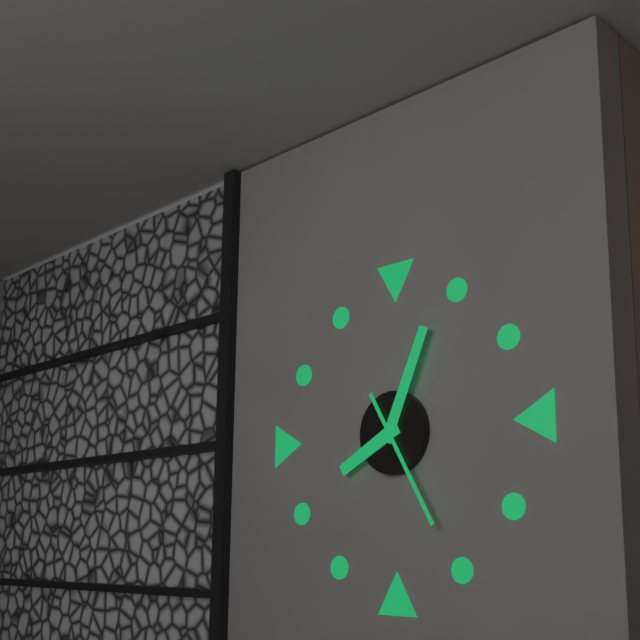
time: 8:04:25
